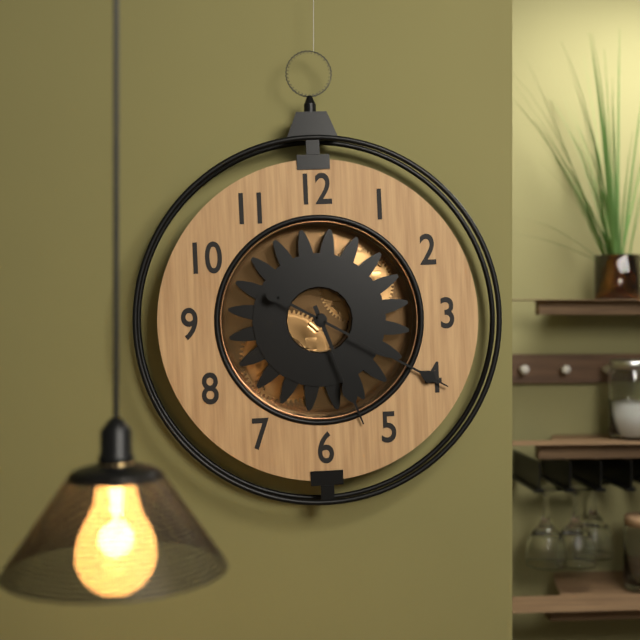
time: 5:20
